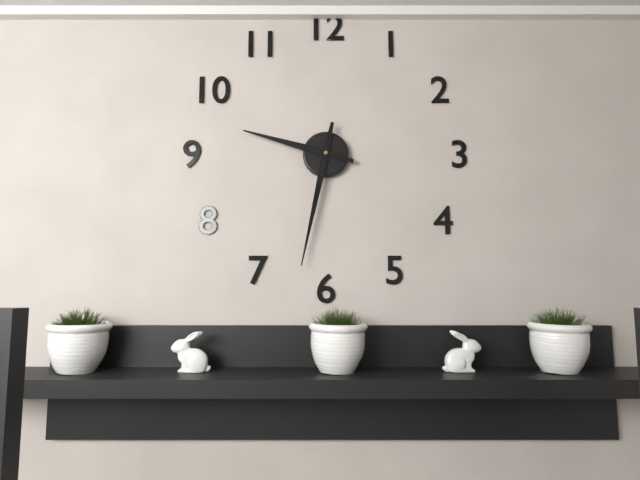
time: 9:32
